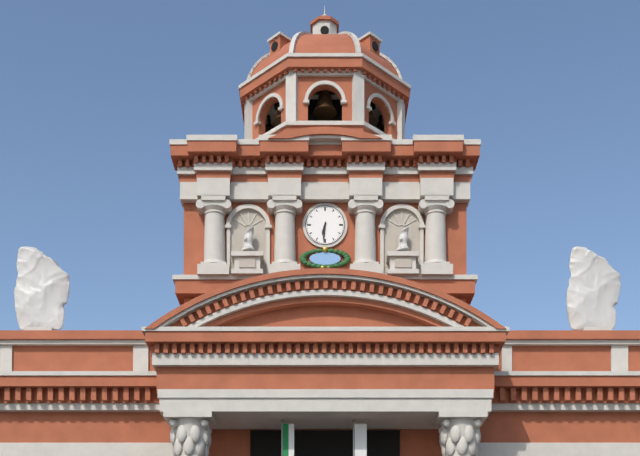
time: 6:31
